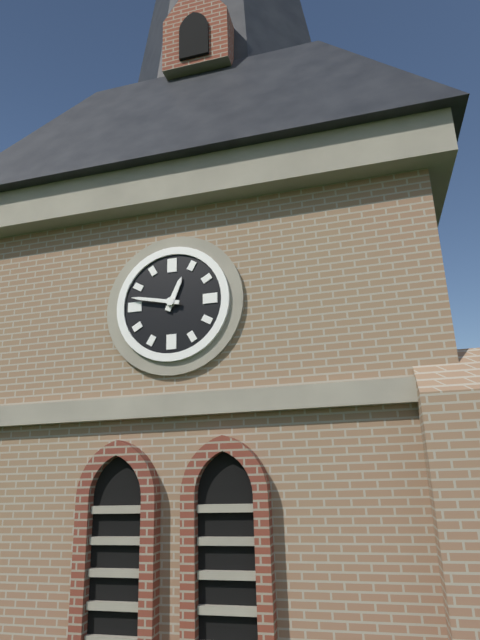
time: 12:47
